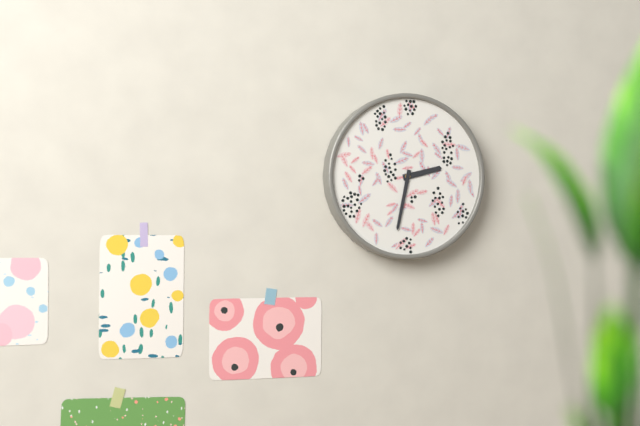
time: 2:32
